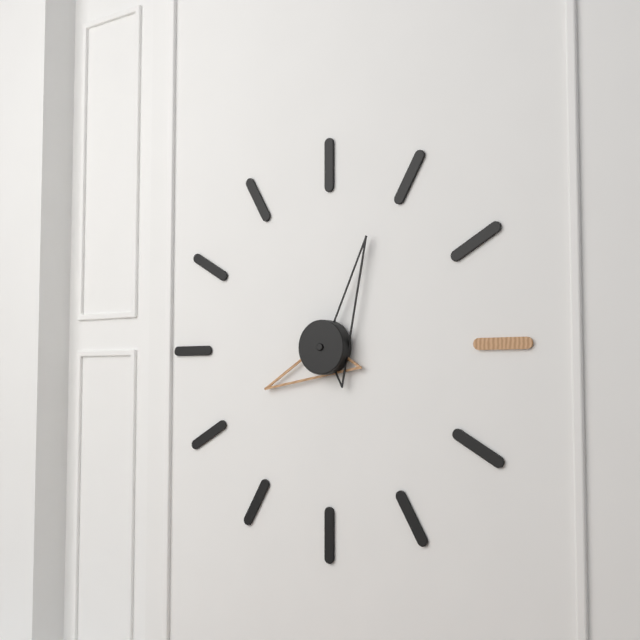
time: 8:04
